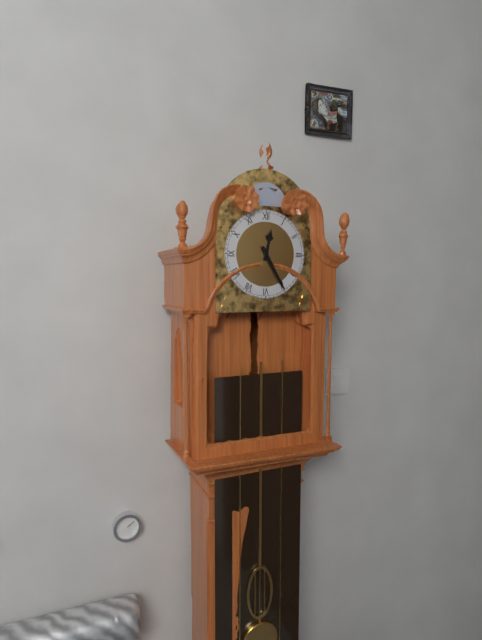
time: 12:25
